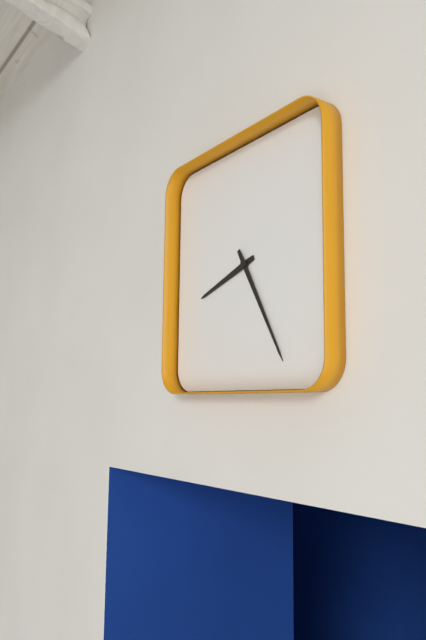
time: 8:25
